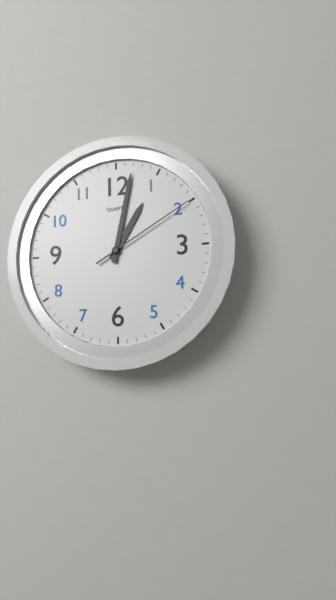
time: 1:02:10
